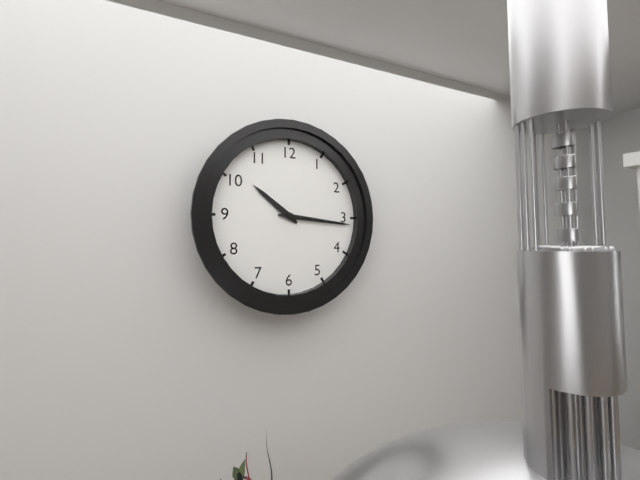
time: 10:16
